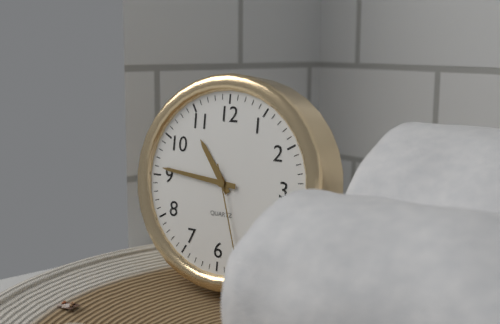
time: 10:46:27
